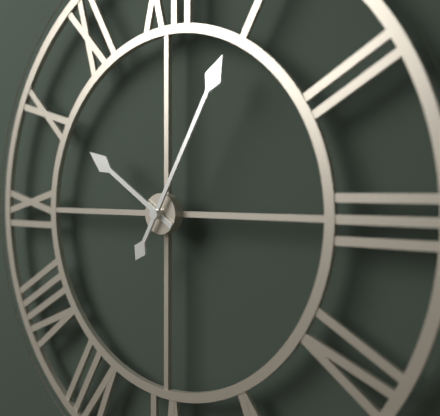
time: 10:05
